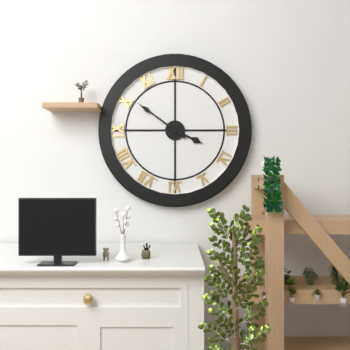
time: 3:51
